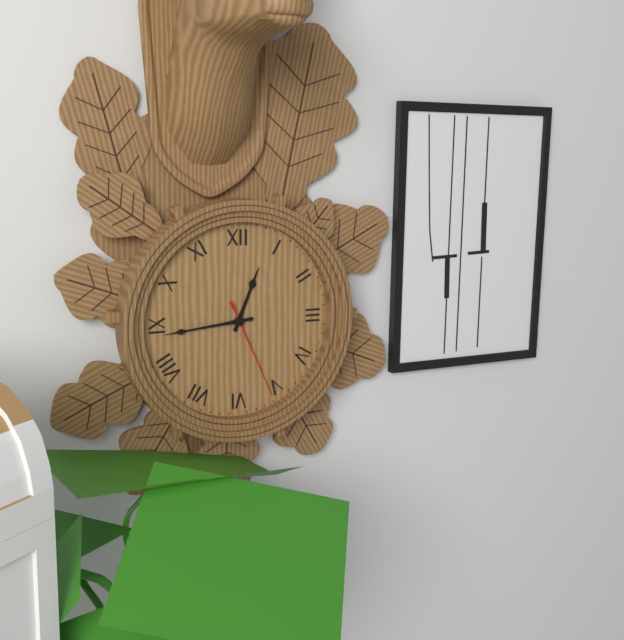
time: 12:44:26
